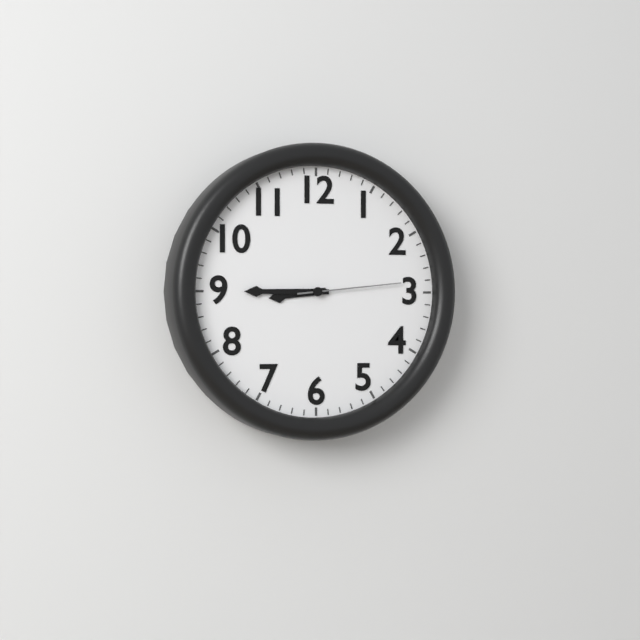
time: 8:45:14
